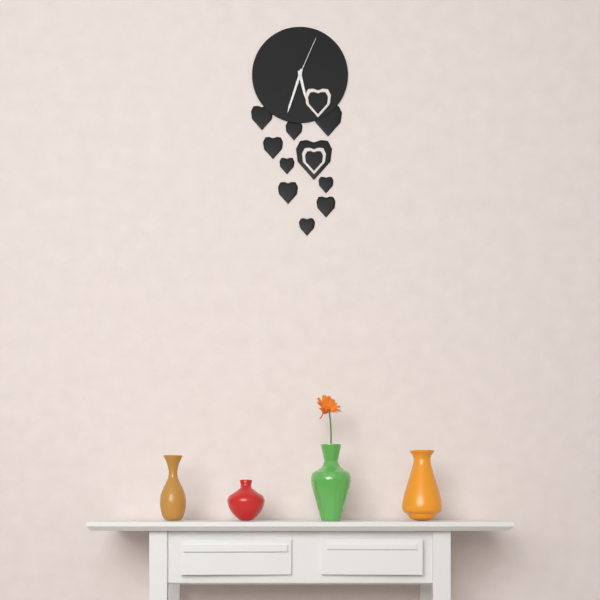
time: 5:33
